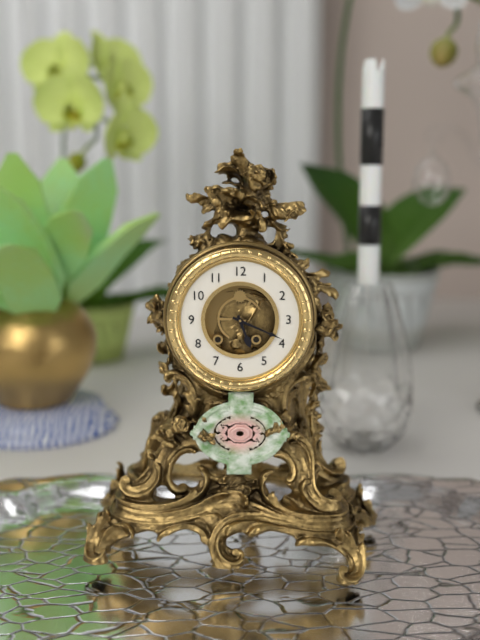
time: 5:19
